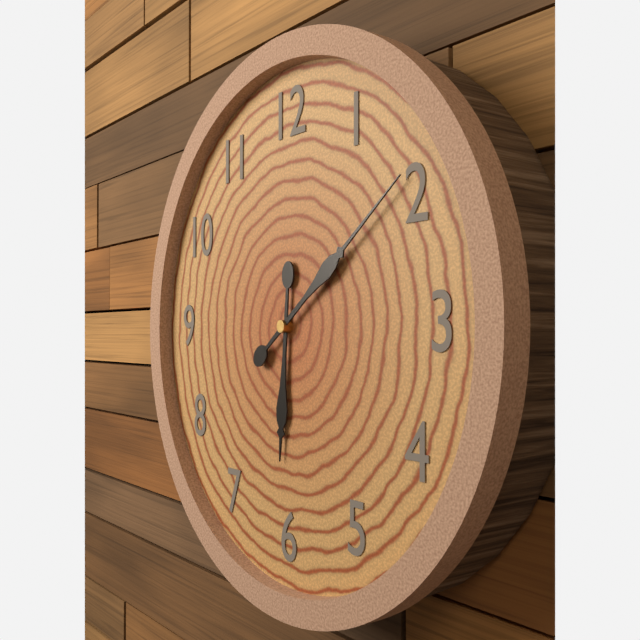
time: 6:09
